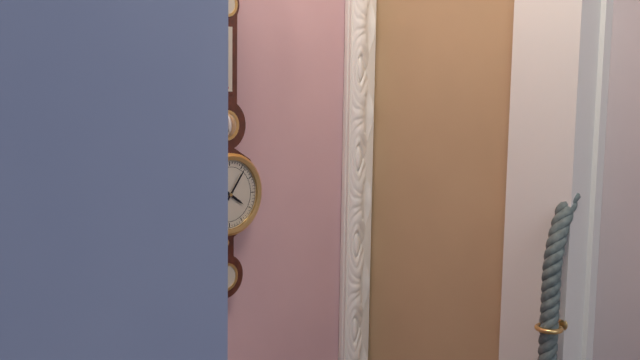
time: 4:06
